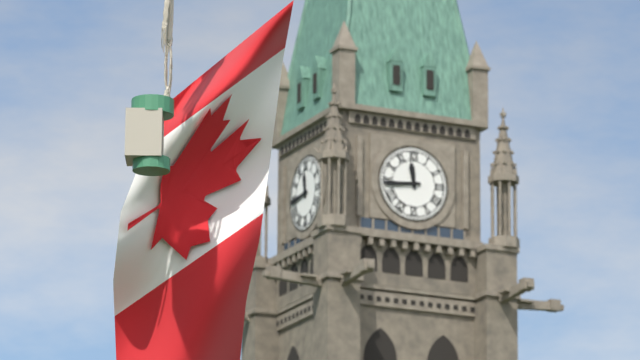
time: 11:44
